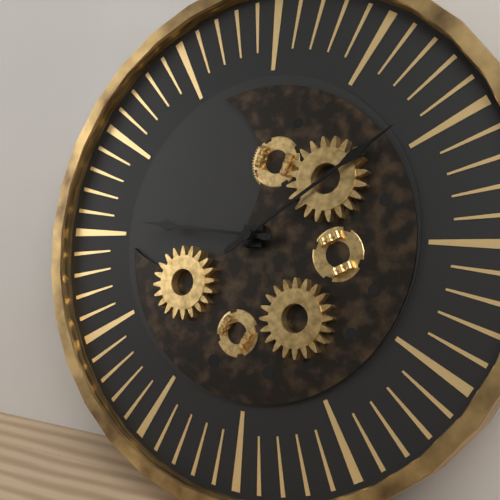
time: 9:09
